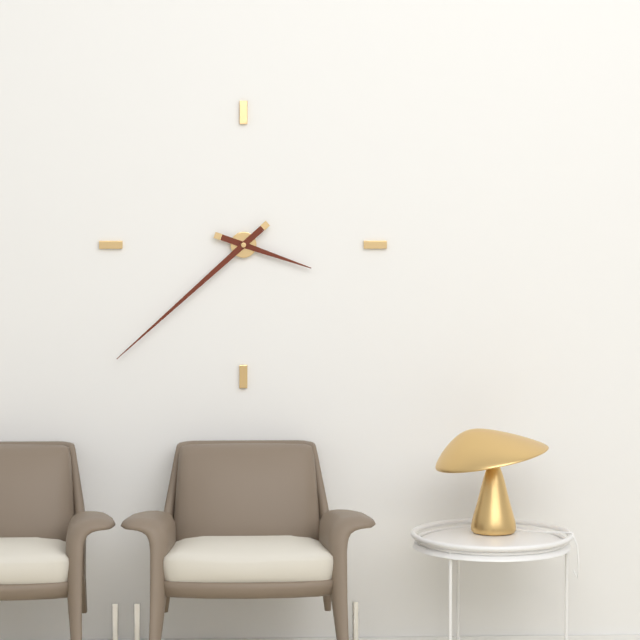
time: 3:38
